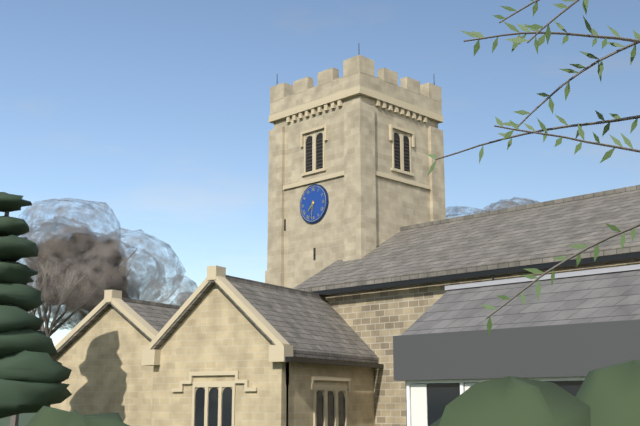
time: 7:31
